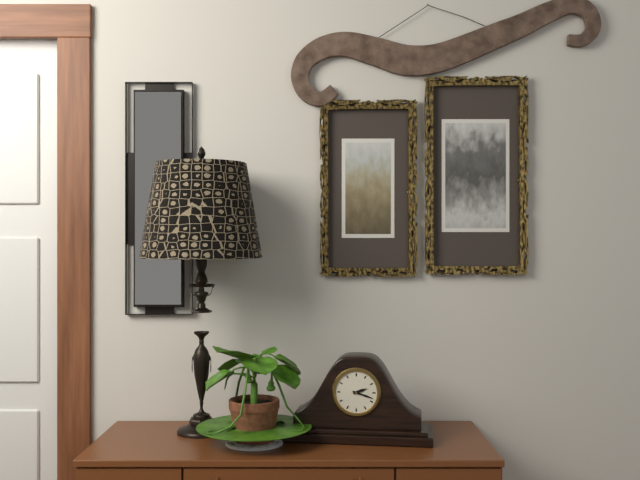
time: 2:18
